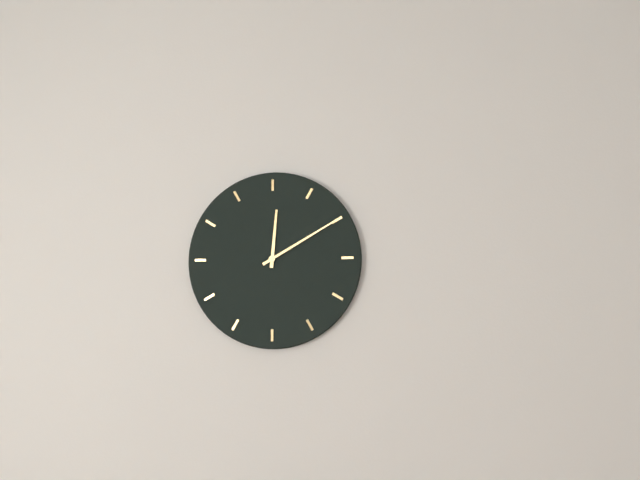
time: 12:10
